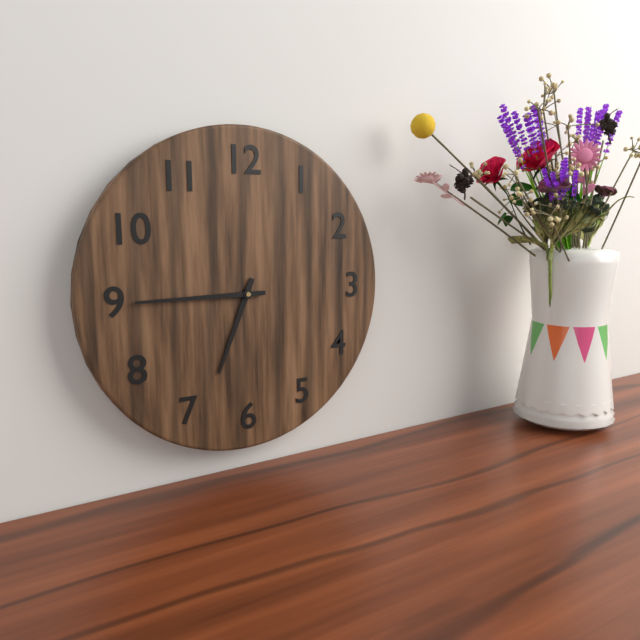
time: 6:45
